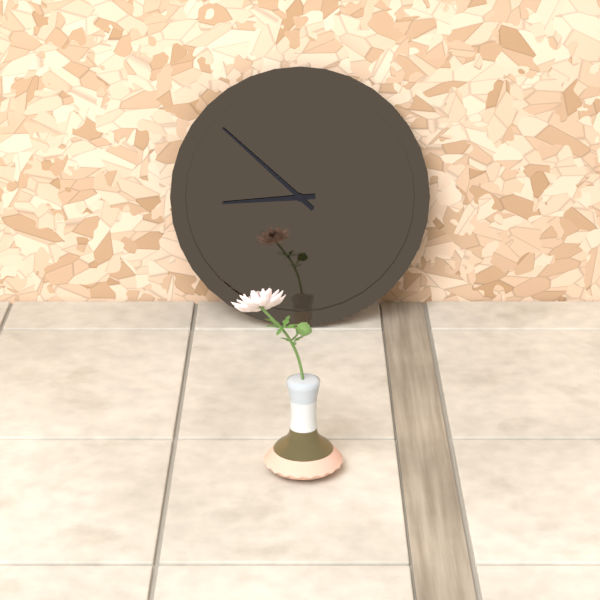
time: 8:52
